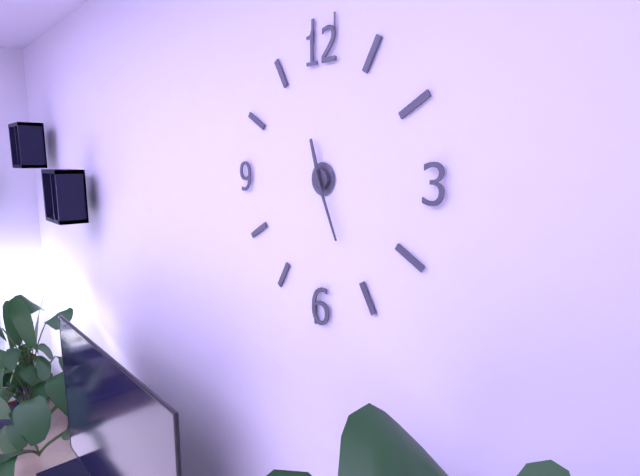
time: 11:26
